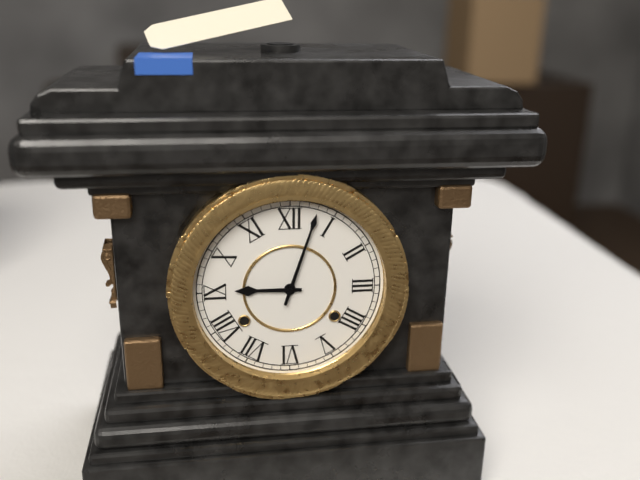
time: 9:03
